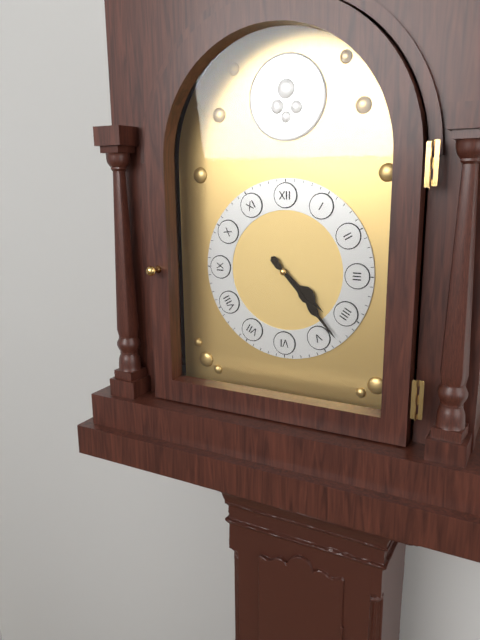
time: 4:23
